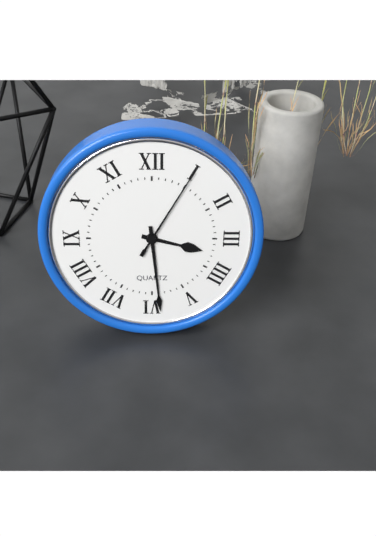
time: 3:29:05
